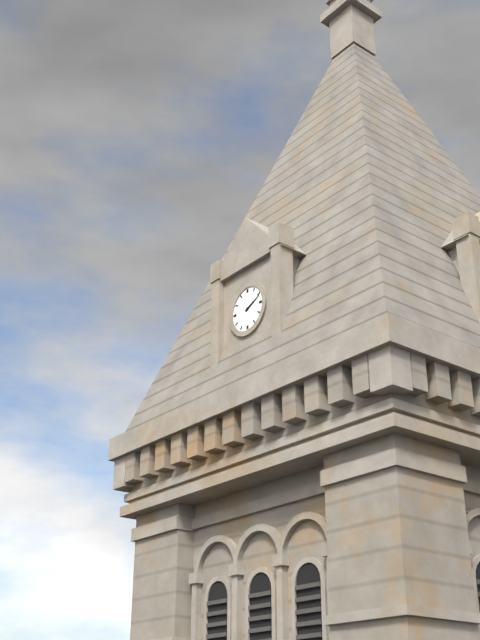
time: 2:11
